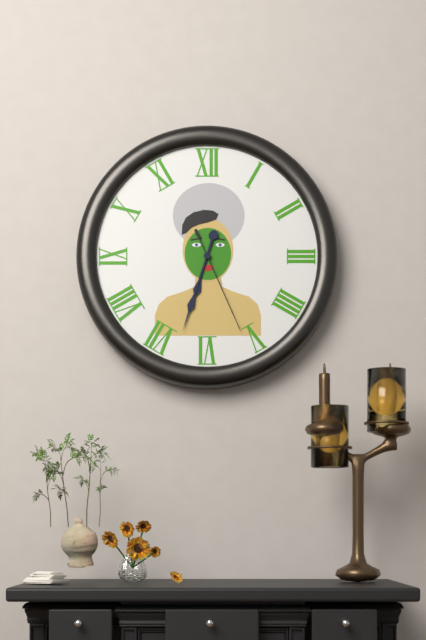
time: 6:33:26
